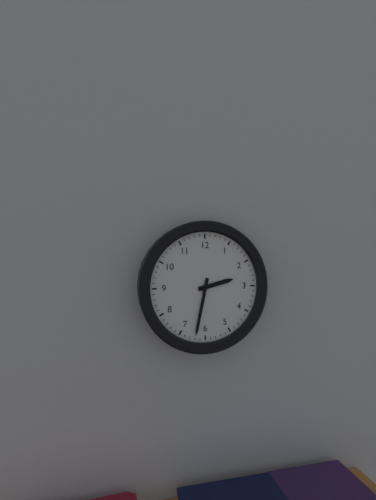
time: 2:32
